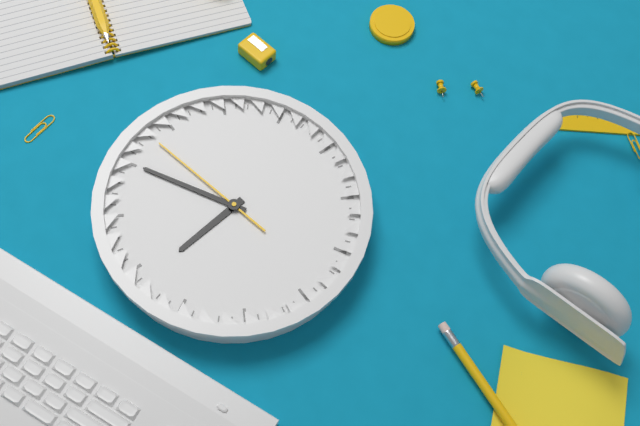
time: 6:45:48
